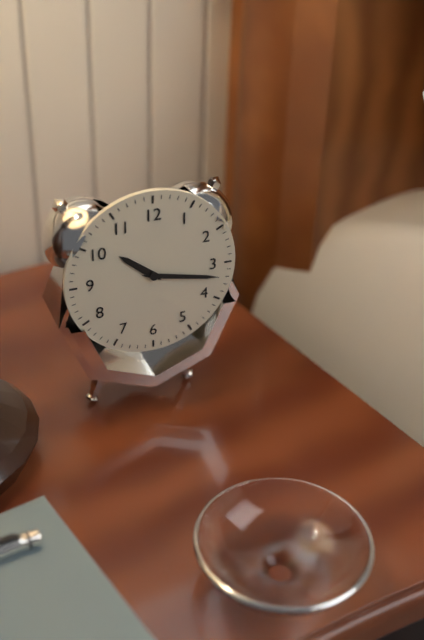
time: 10:17
